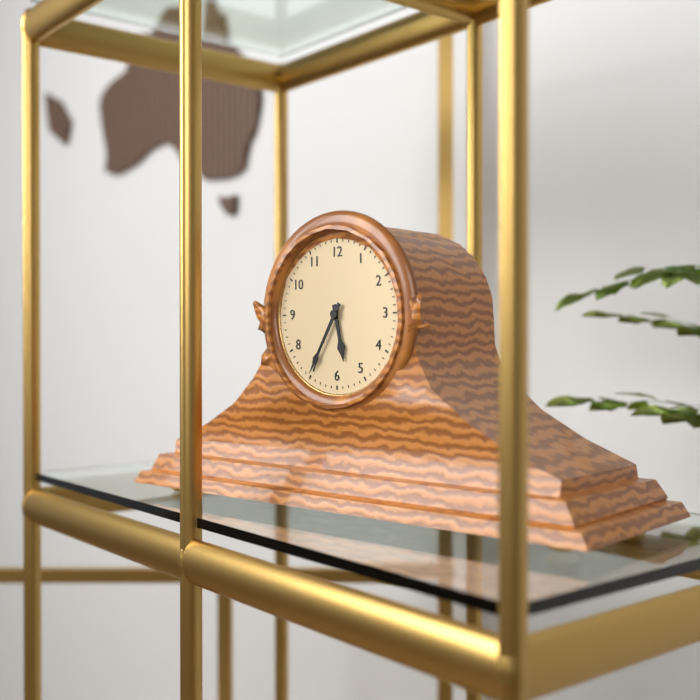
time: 5:35
